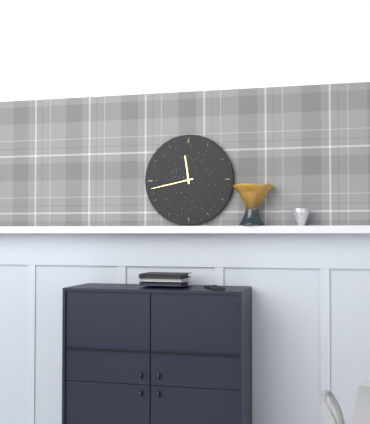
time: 11:43
